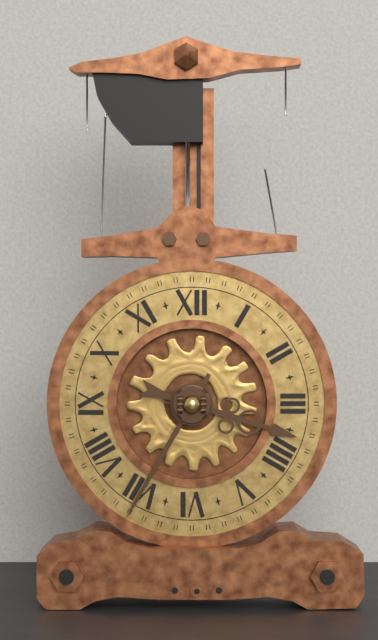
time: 3:35
